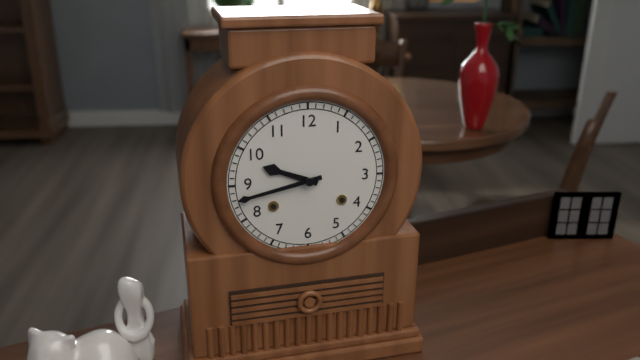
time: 9:43
